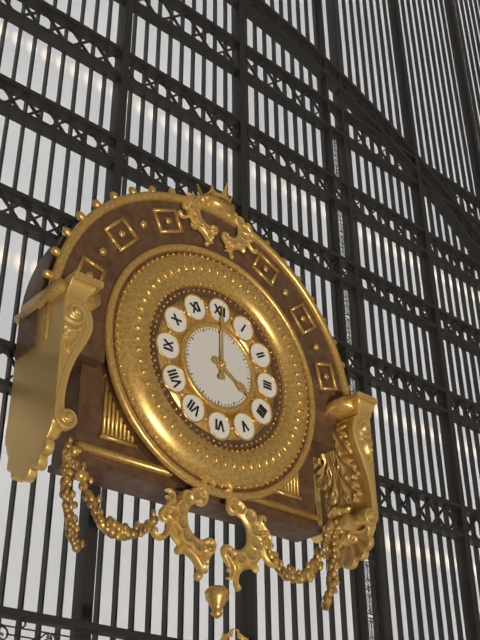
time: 4:00
